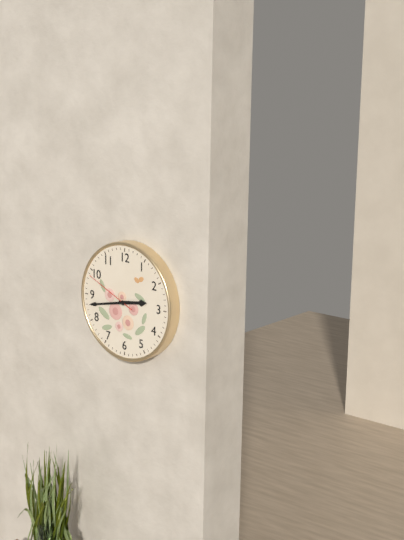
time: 2:43:49
